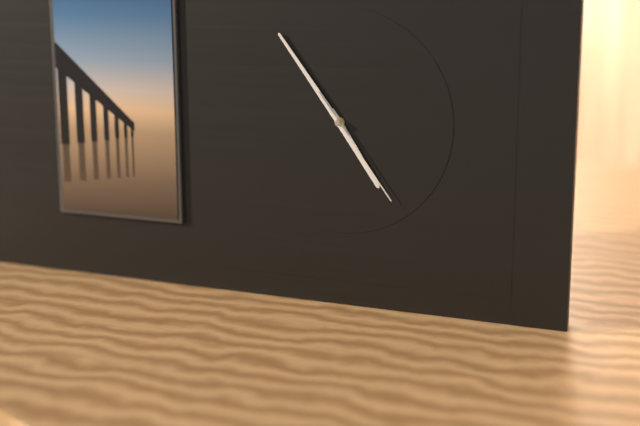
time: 4:54:24
